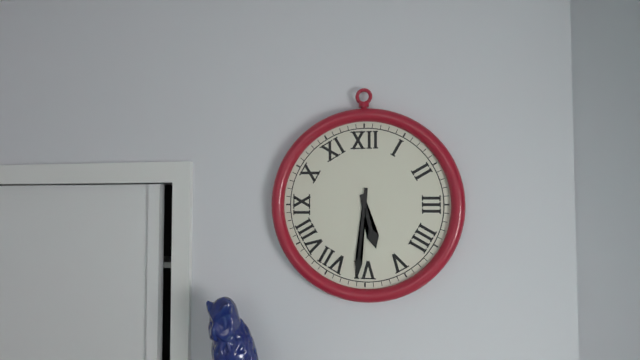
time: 5:31
